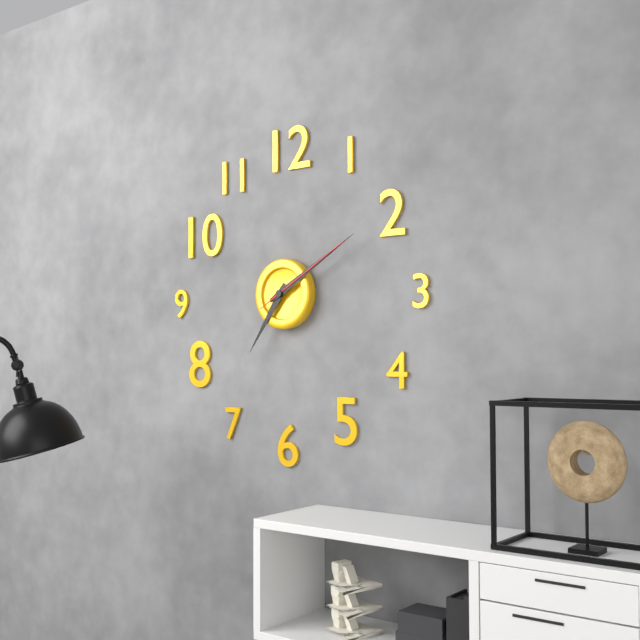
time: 7:10:10
